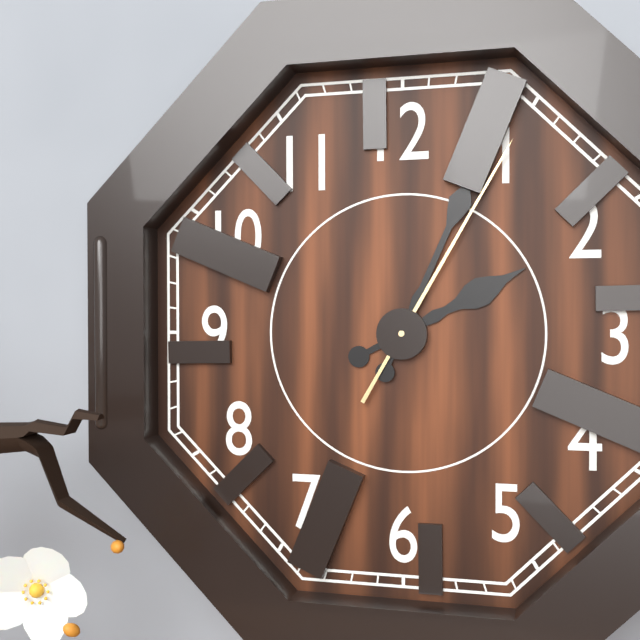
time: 2:04:05
